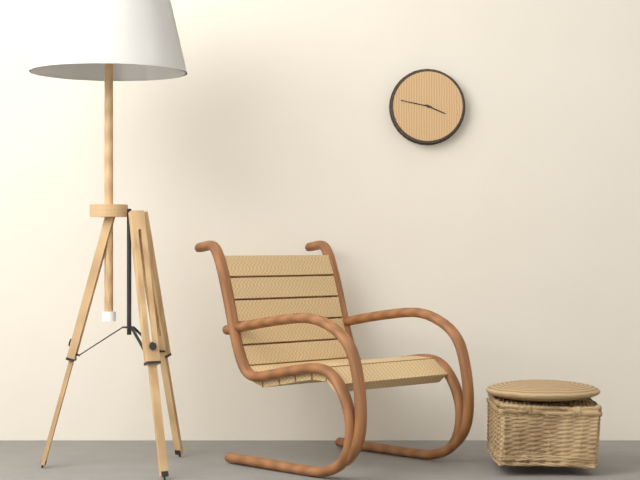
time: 3:47
